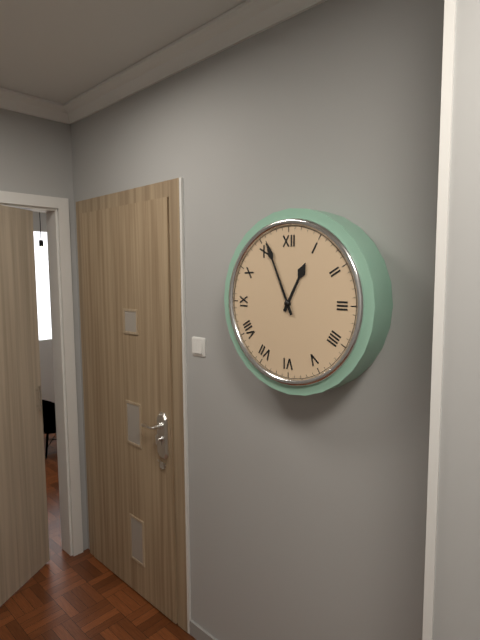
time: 12:56
